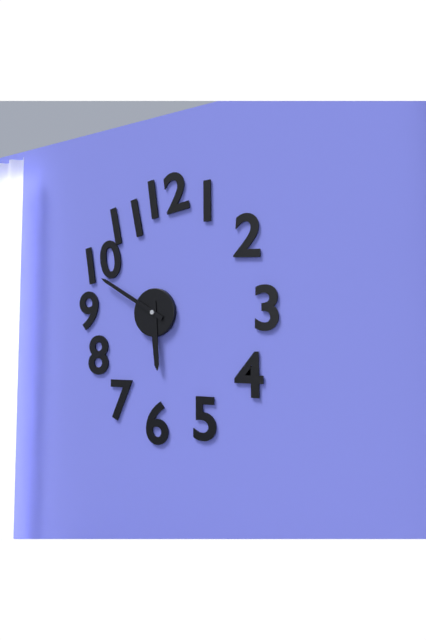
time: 5:50
